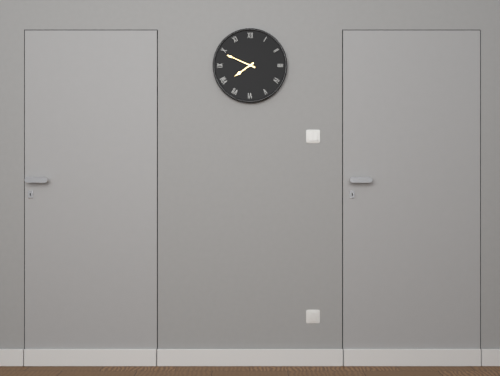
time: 7:49
